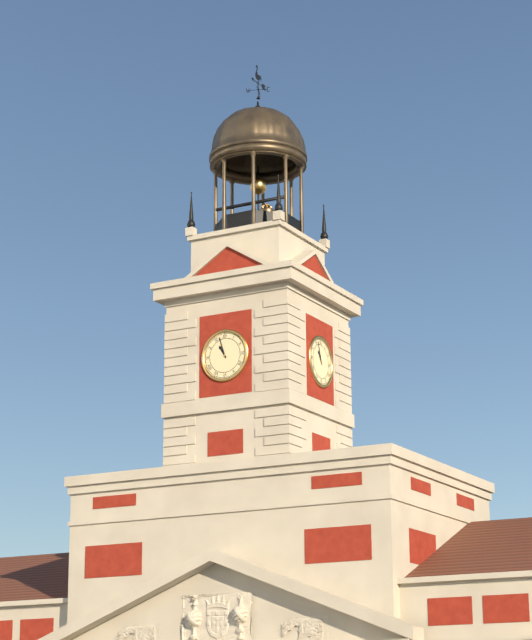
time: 10:57
